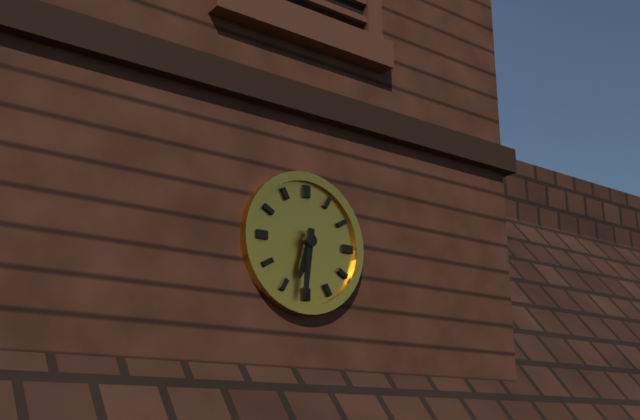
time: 6:31
